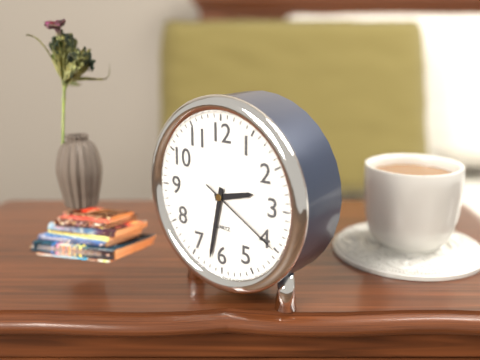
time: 2:32:20
